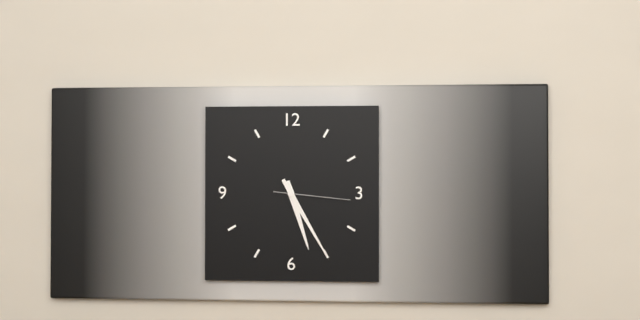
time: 5:25:16
